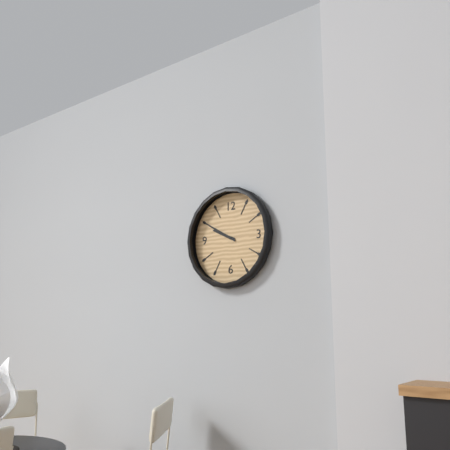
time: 9:50
